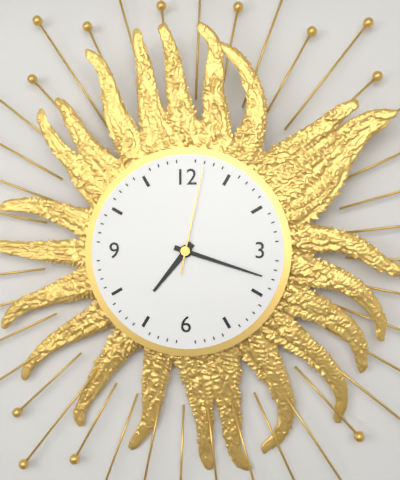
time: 7:18:02
